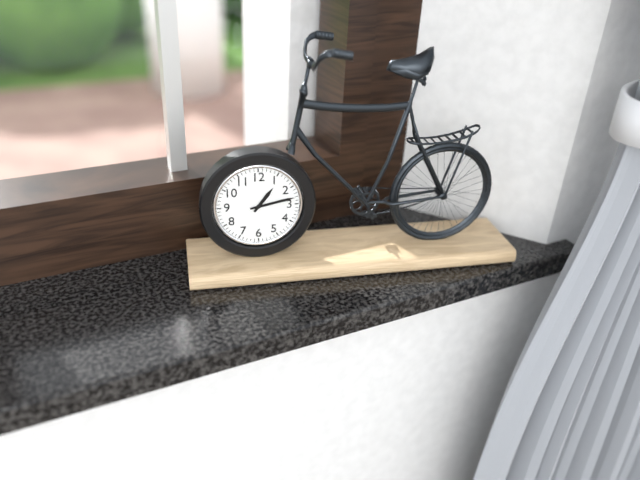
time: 1:13
